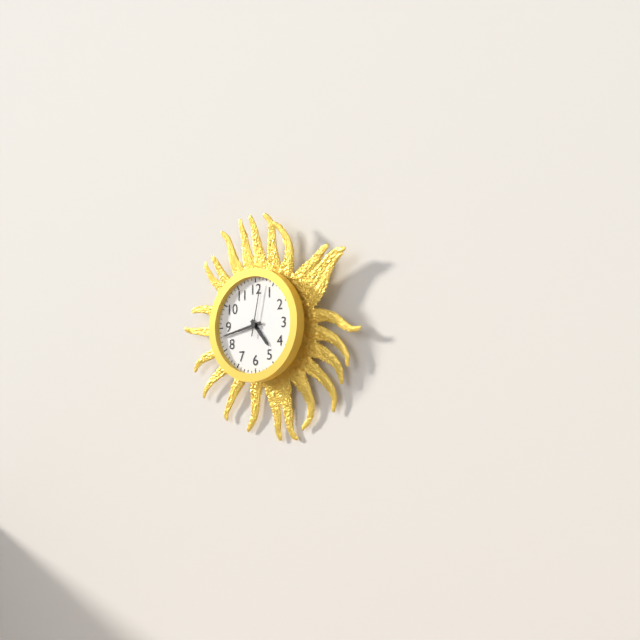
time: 4:43:02
